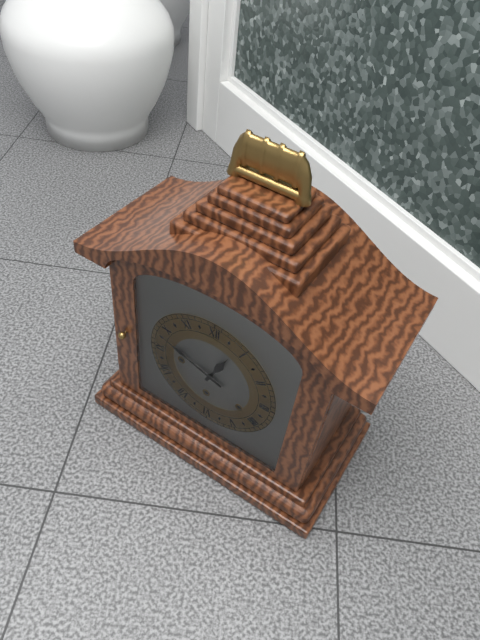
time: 12:48
